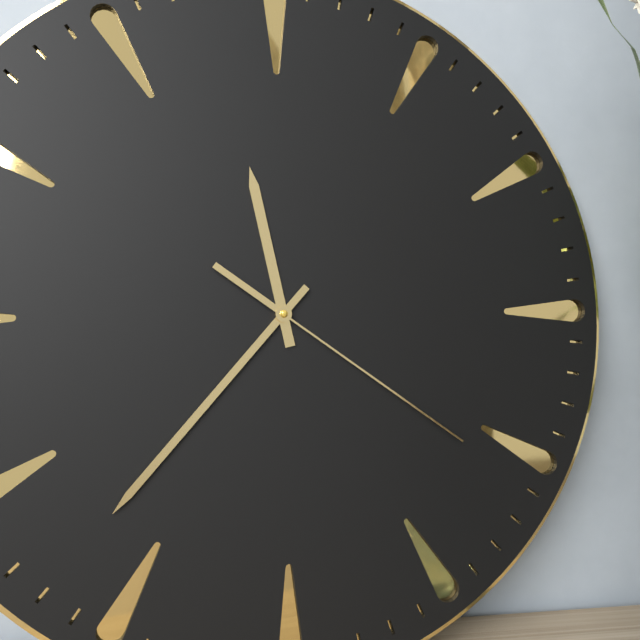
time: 11:37:21
